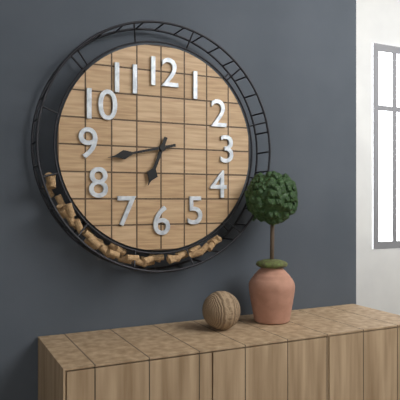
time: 6:43
